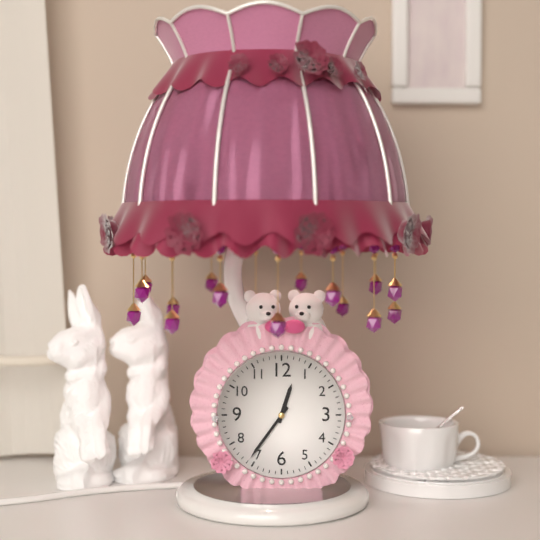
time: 12:36
